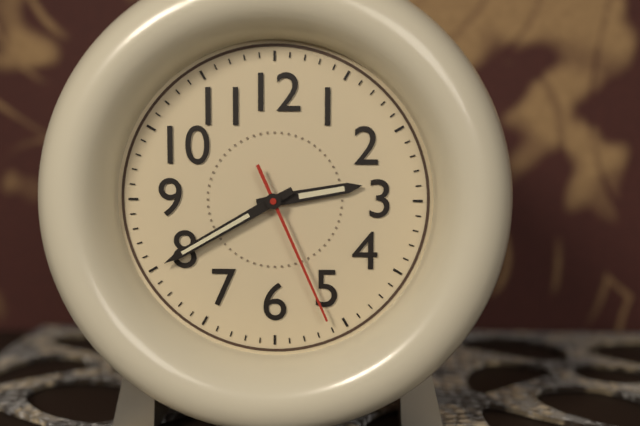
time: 2:40:26
